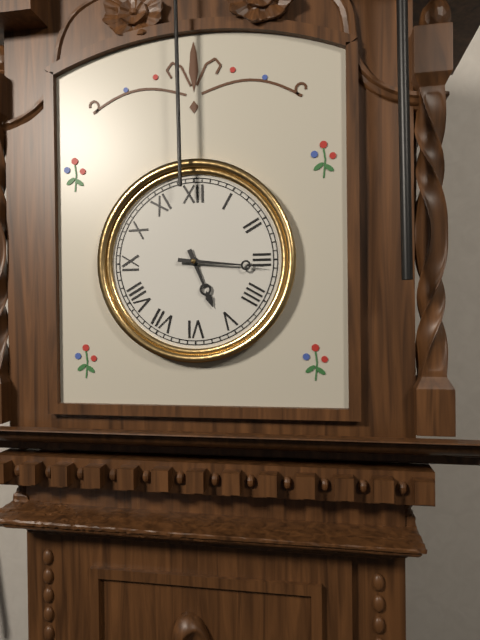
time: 5:16
